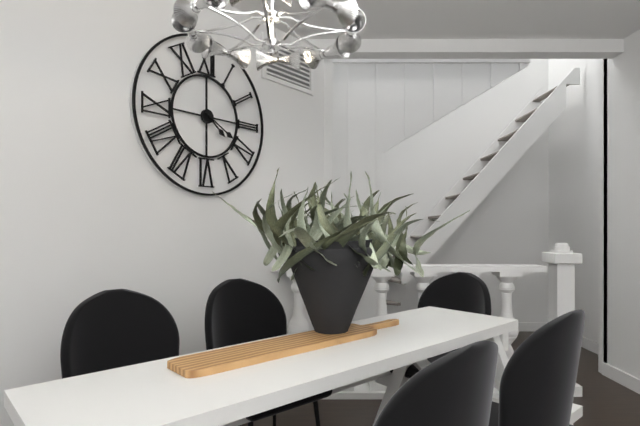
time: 4:20
